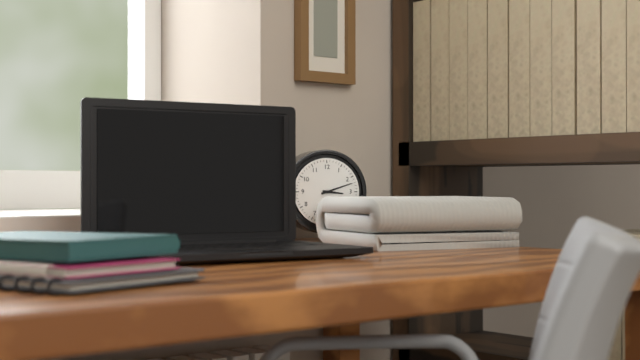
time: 3:12
